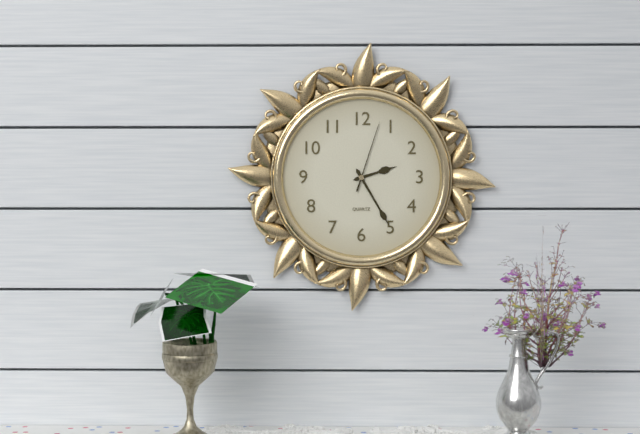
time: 2:25:03
